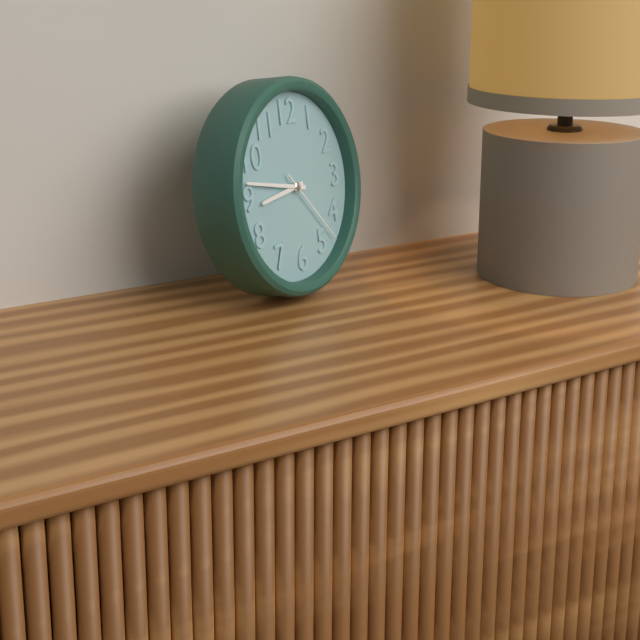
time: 8:47:23
